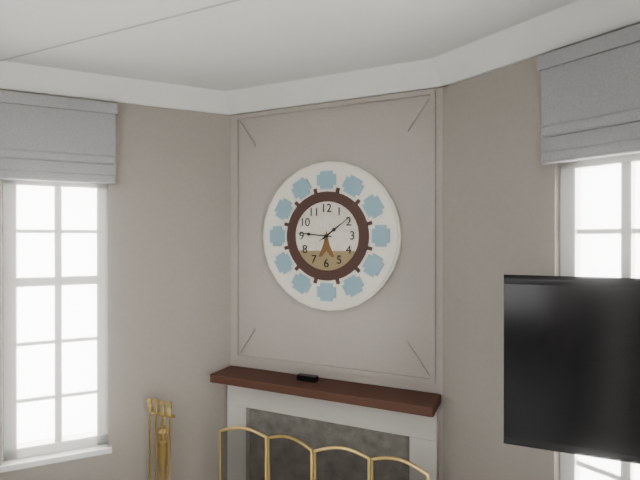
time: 1:46
